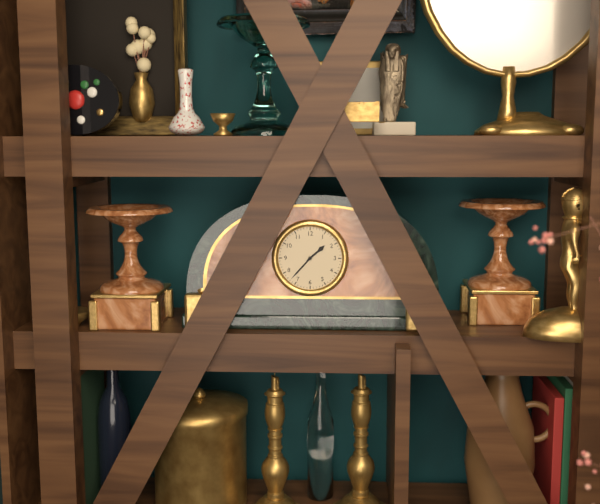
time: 1:37
